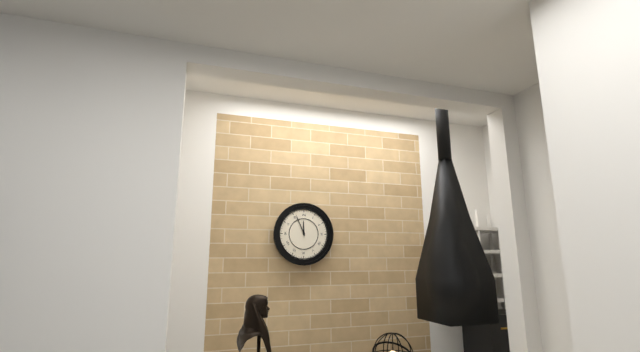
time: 11:56
